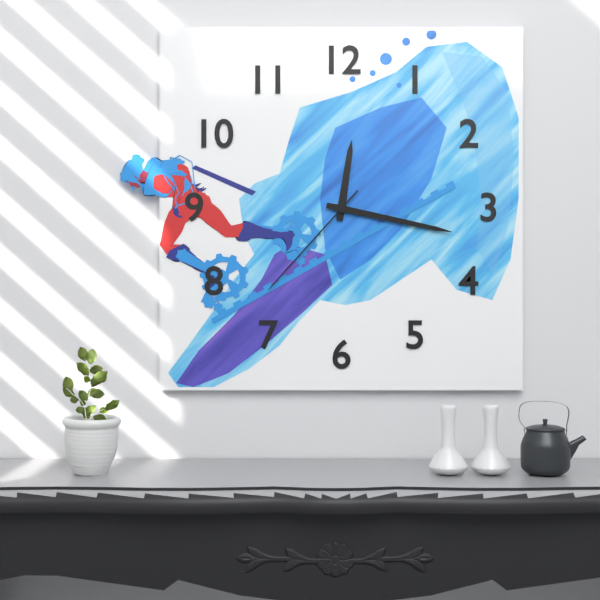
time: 12:17:37
